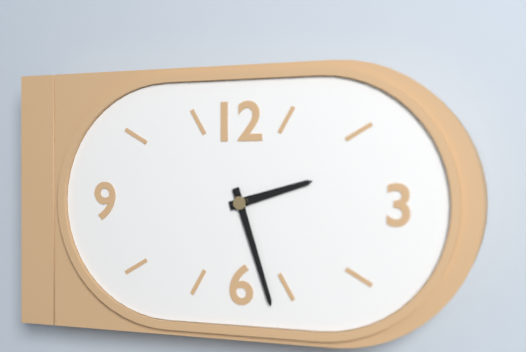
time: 2:27
